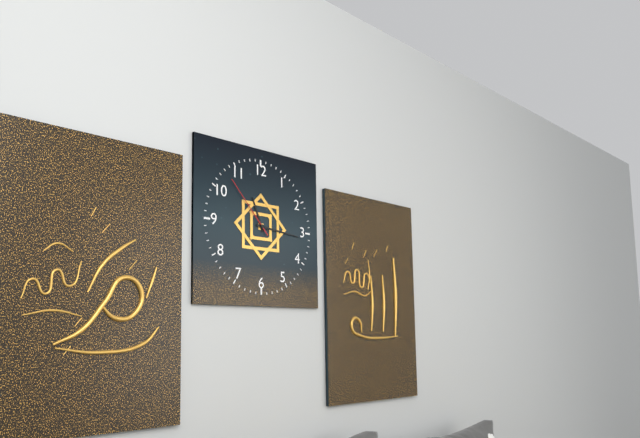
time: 11:16:53
